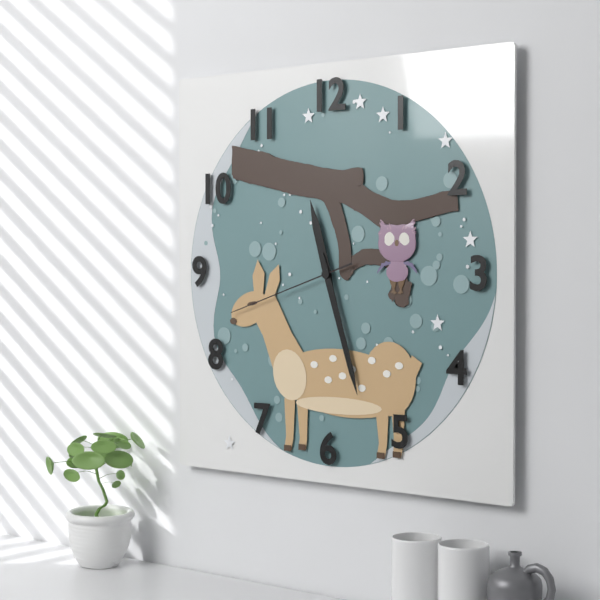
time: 11:27:42
